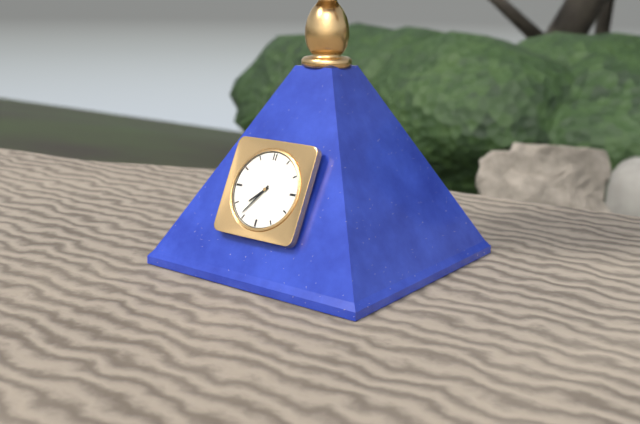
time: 7:36
